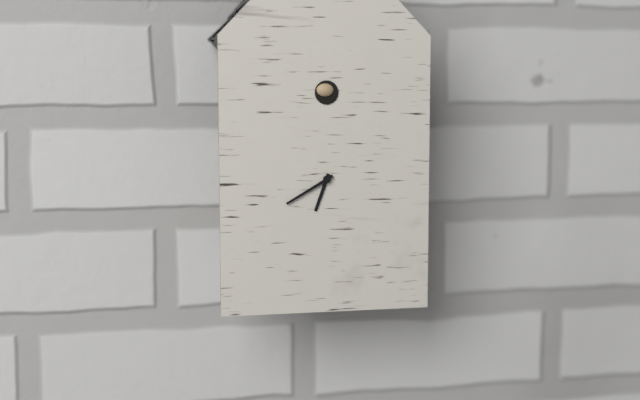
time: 6:40
